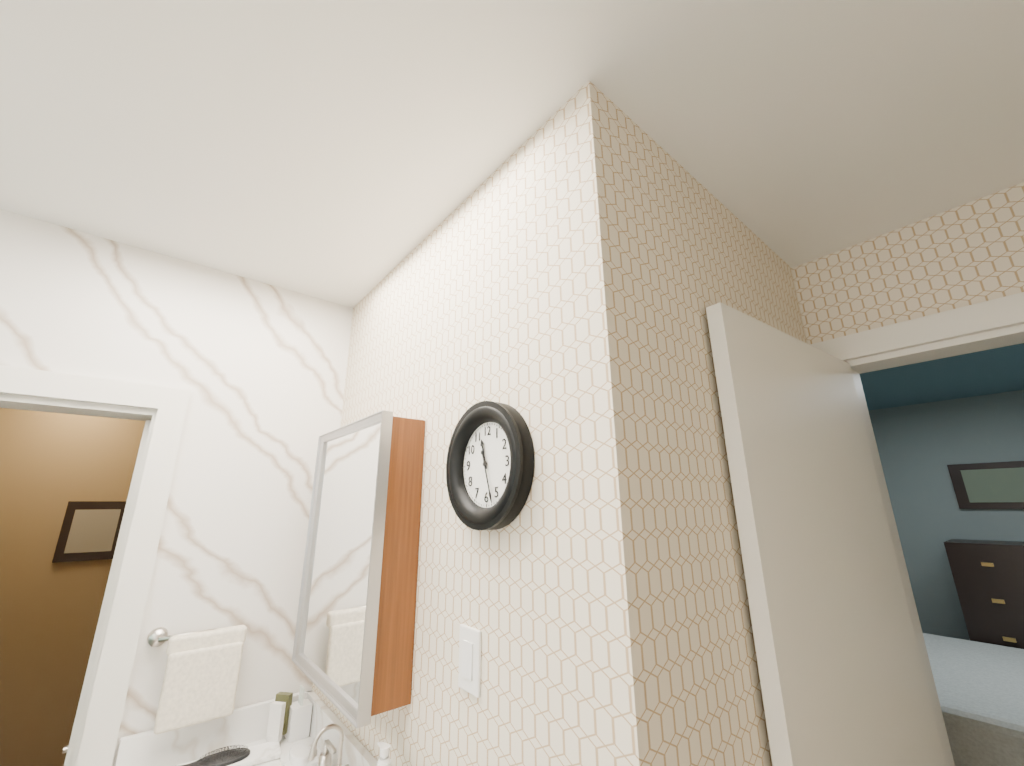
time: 11:27
